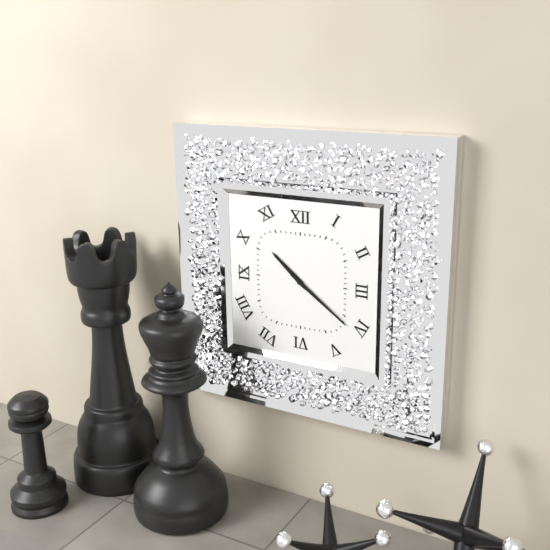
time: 10:21
